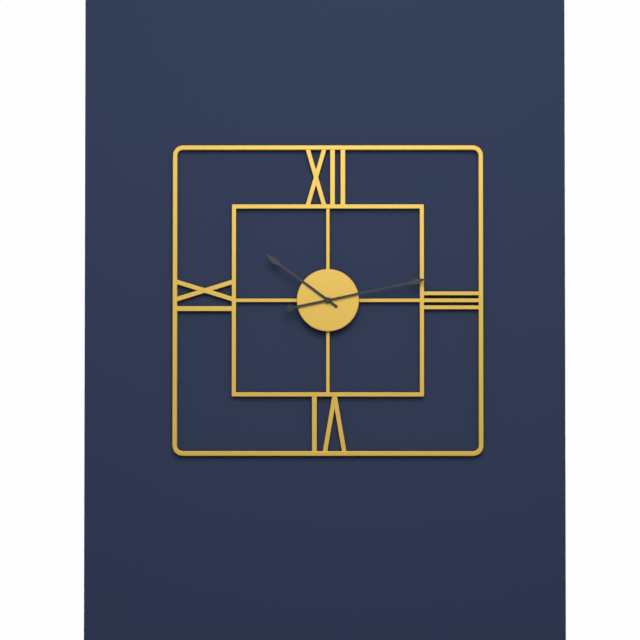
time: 10:13
